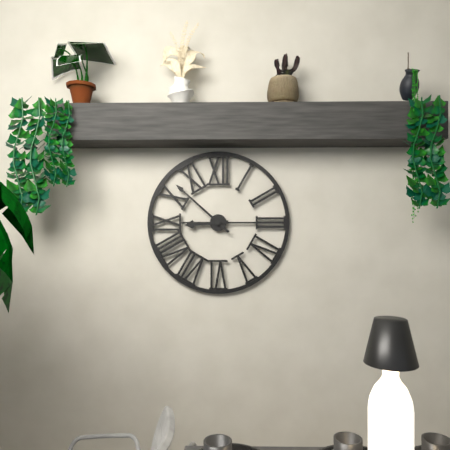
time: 8:52
